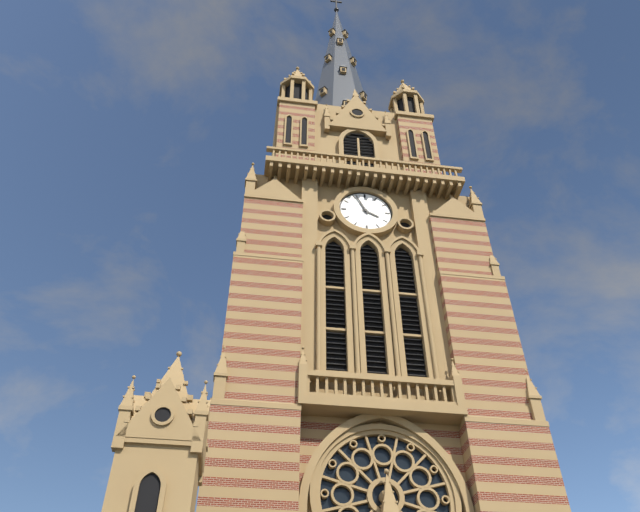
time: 3:56
